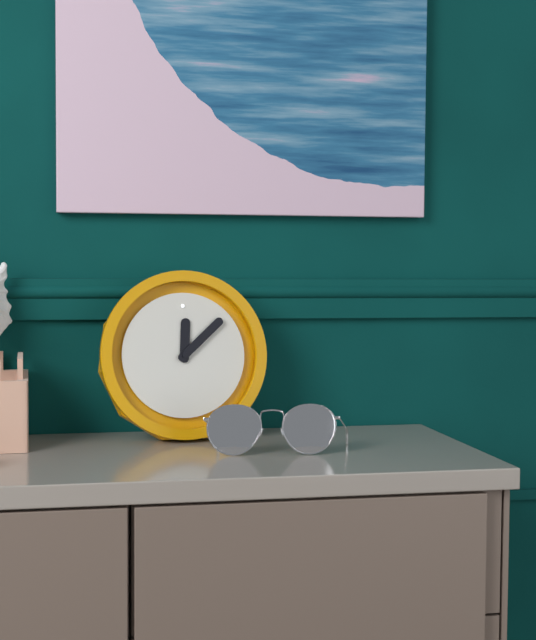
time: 12:08
